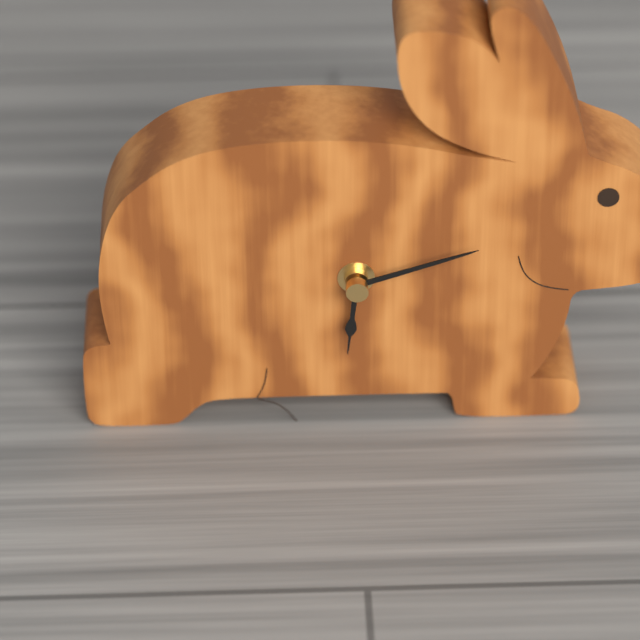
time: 6:12
